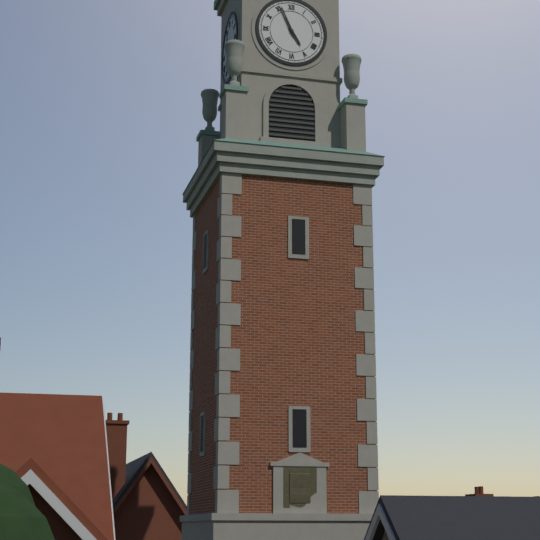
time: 4:56
